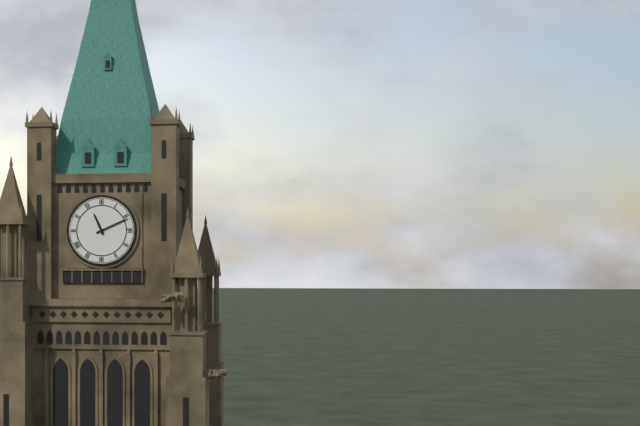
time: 11:11
